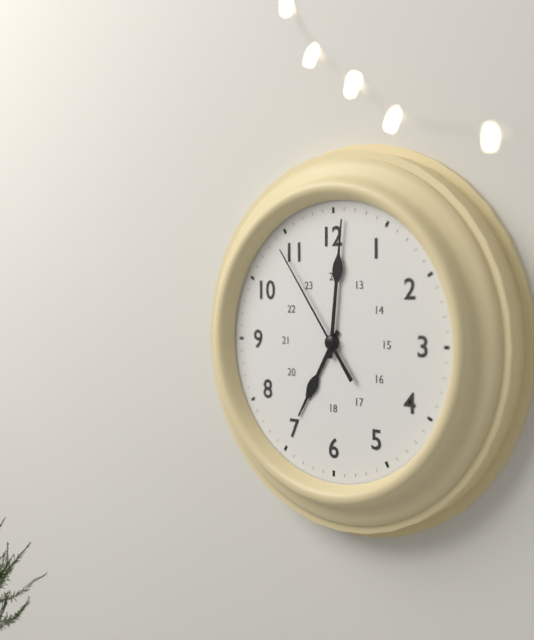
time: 7:01:54
